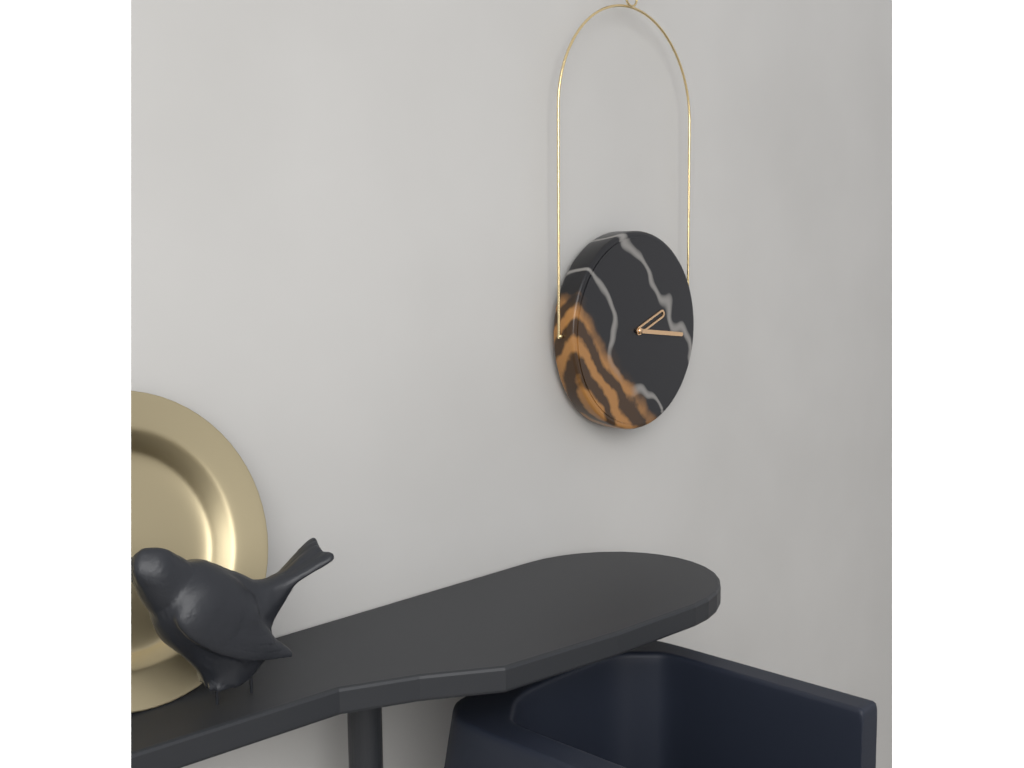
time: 2:16
